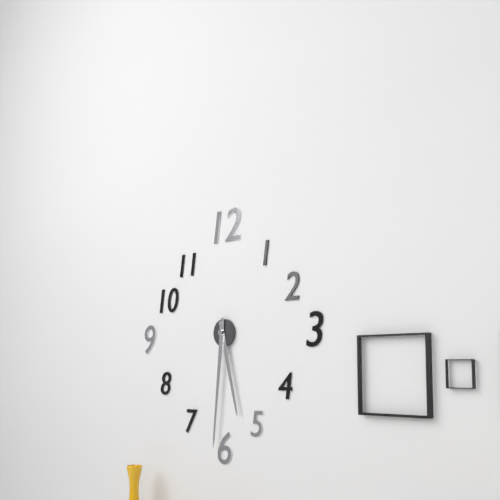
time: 5:31
